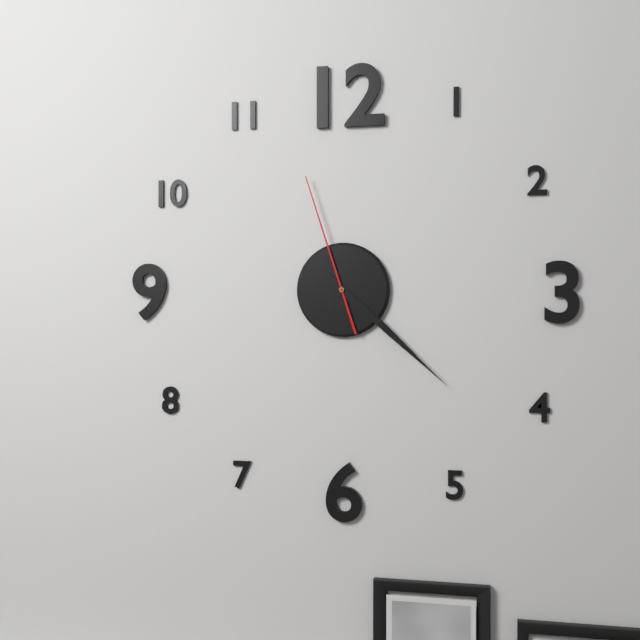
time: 4:22:57
